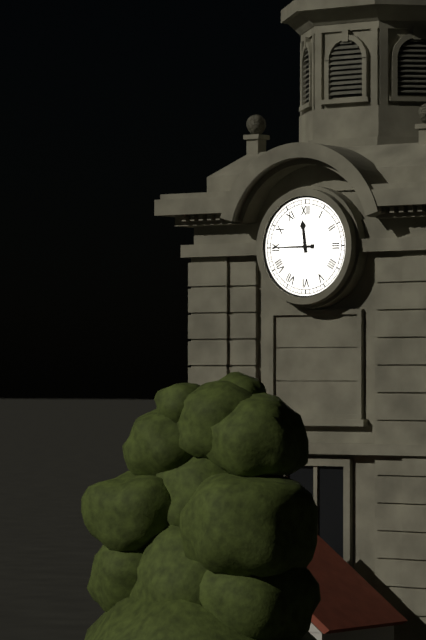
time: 11:45
